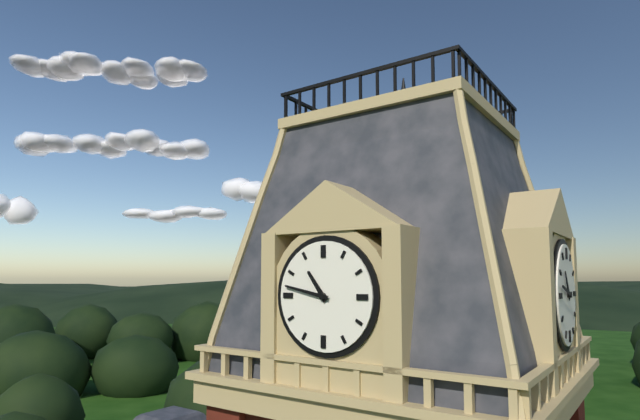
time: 10:47
